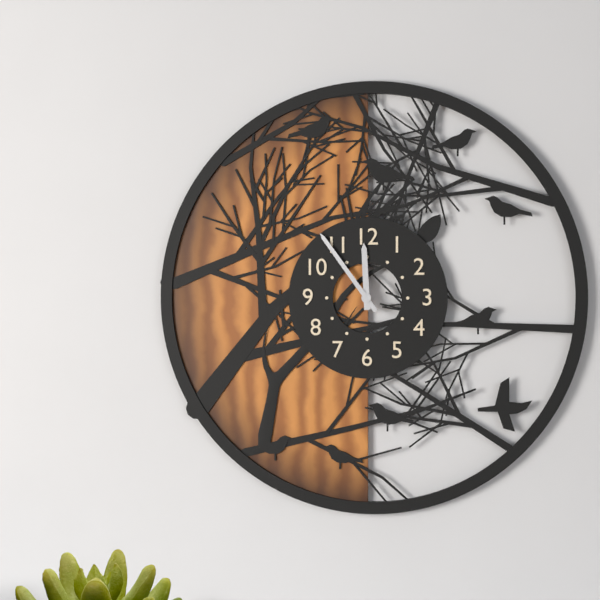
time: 11:54
